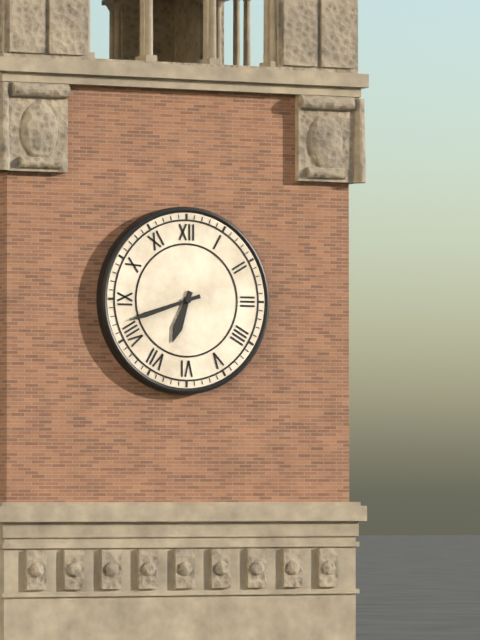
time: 6:42
